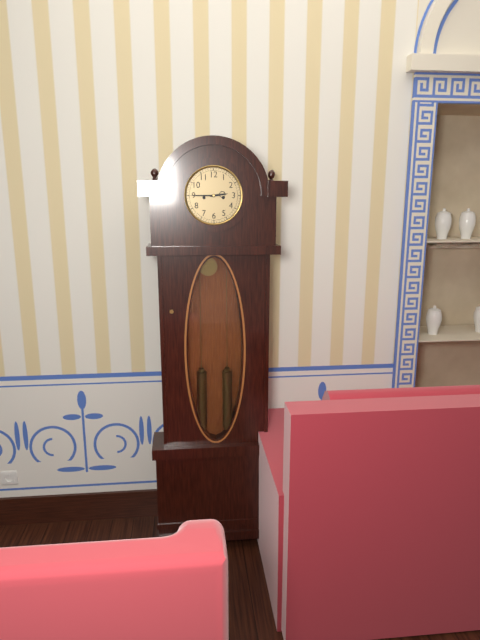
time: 2:45
